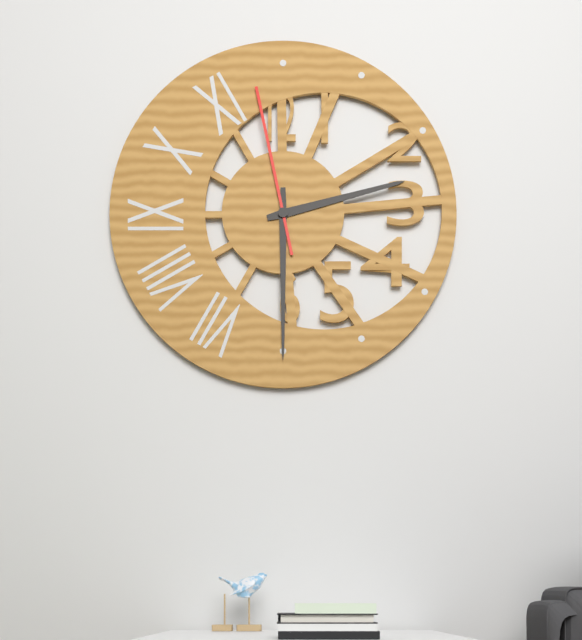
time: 2:30:58
